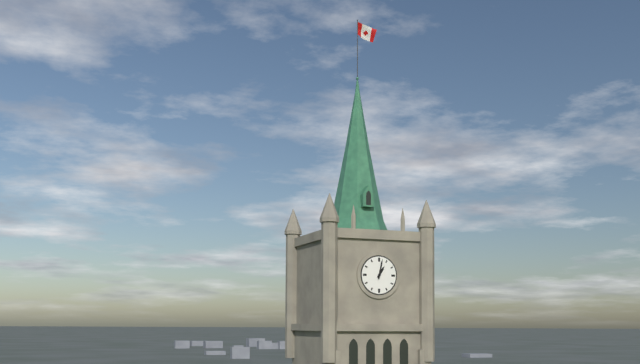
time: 1:02
